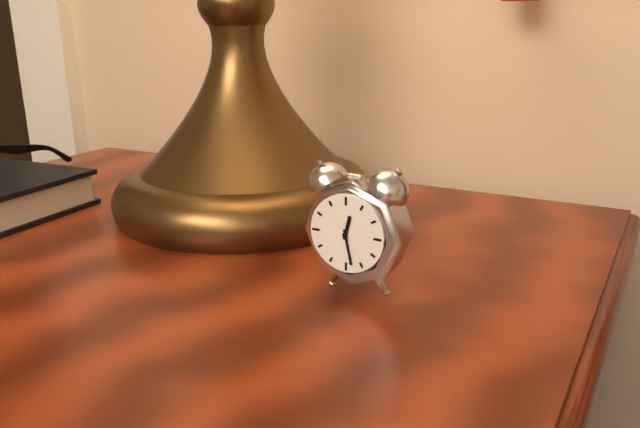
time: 12:28
